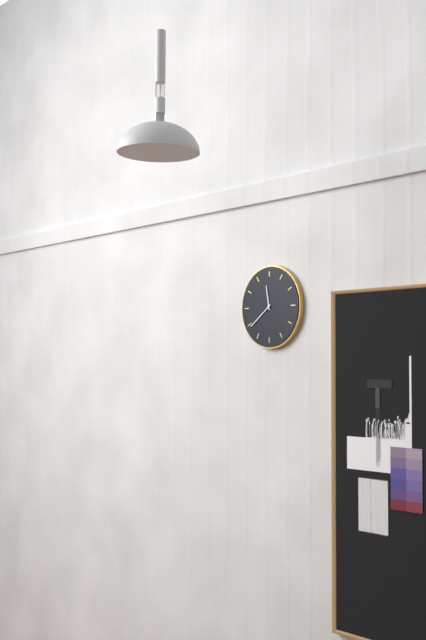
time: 11:39
